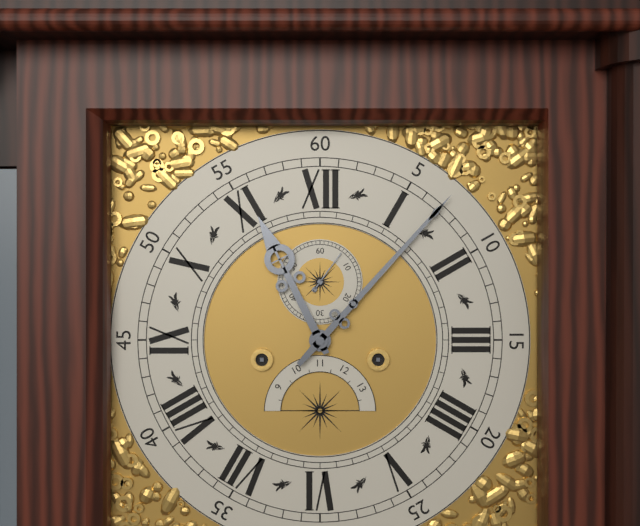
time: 11:07
